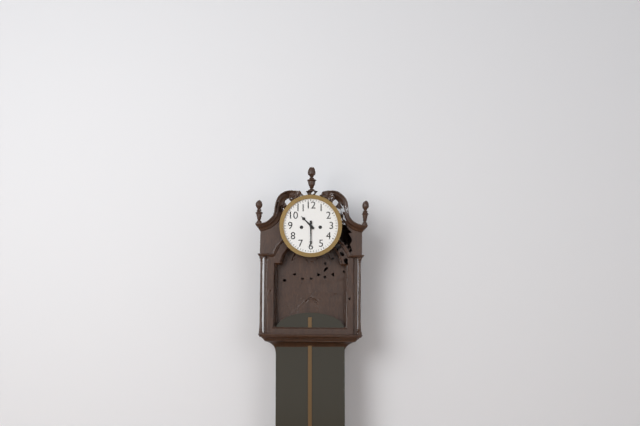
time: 10:30
